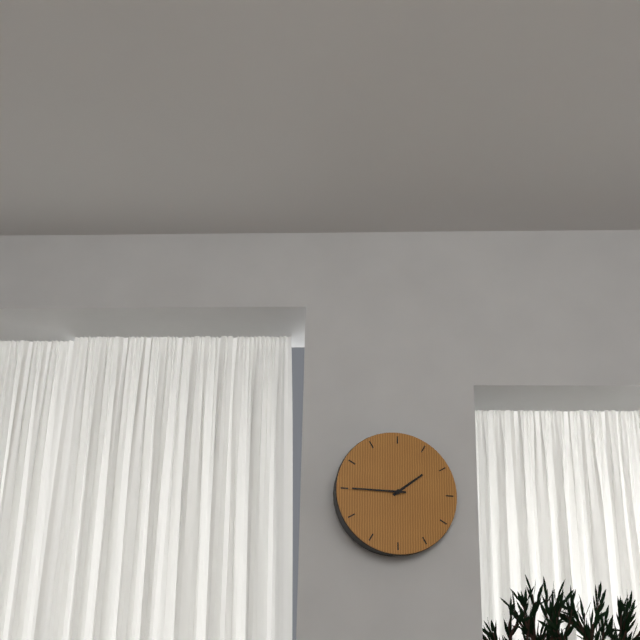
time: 1:45
